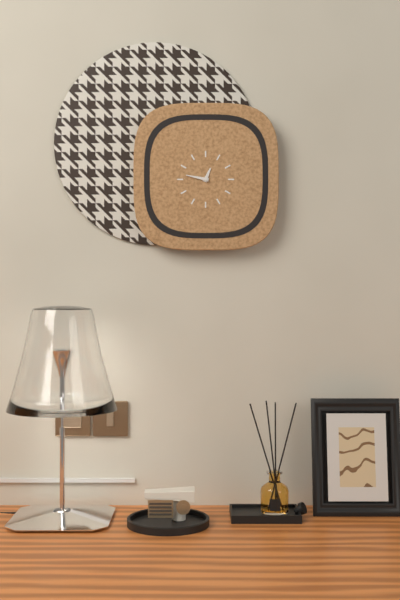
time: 12:47
